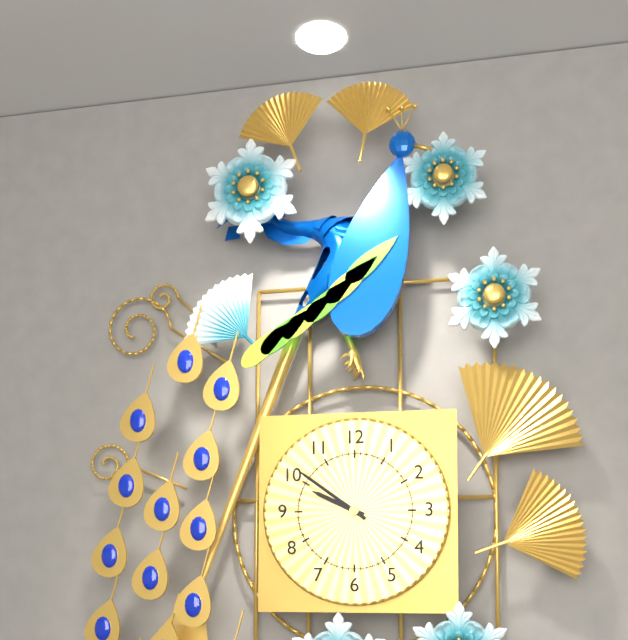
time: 9:51
